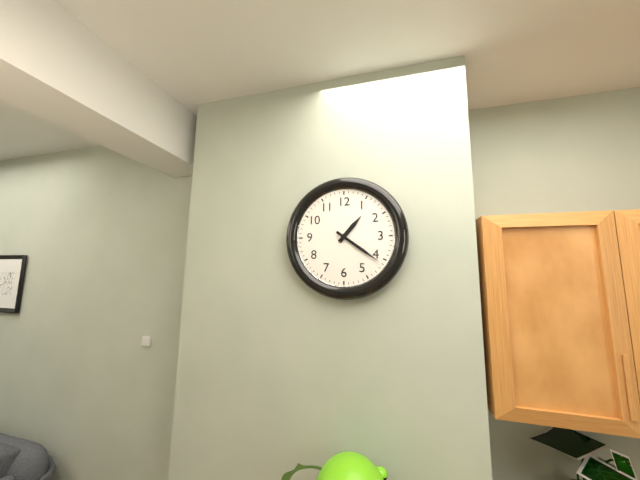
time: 1:21
